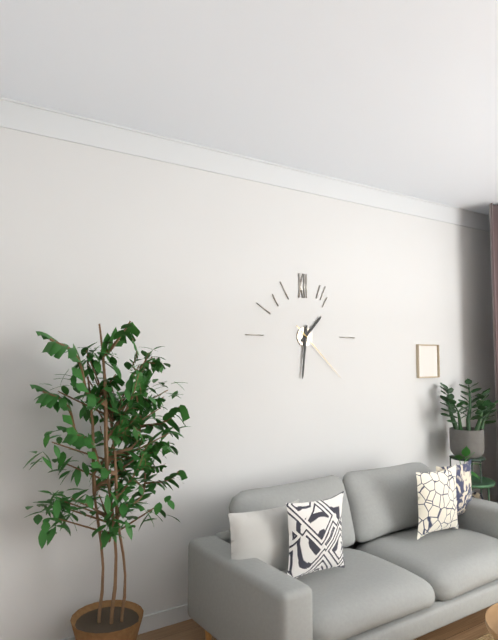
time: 1:31:22
